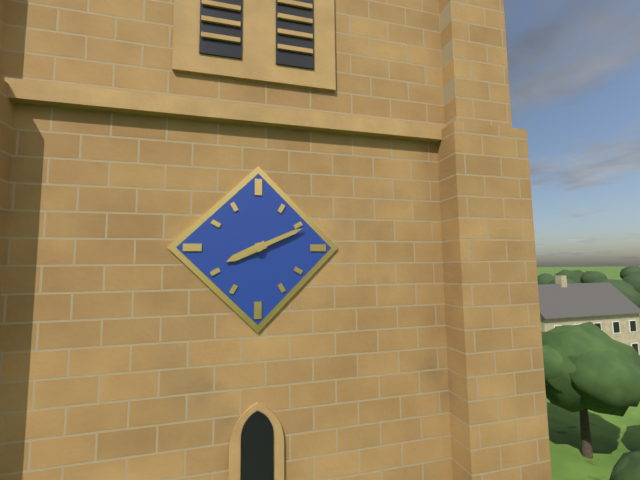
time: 8:11
